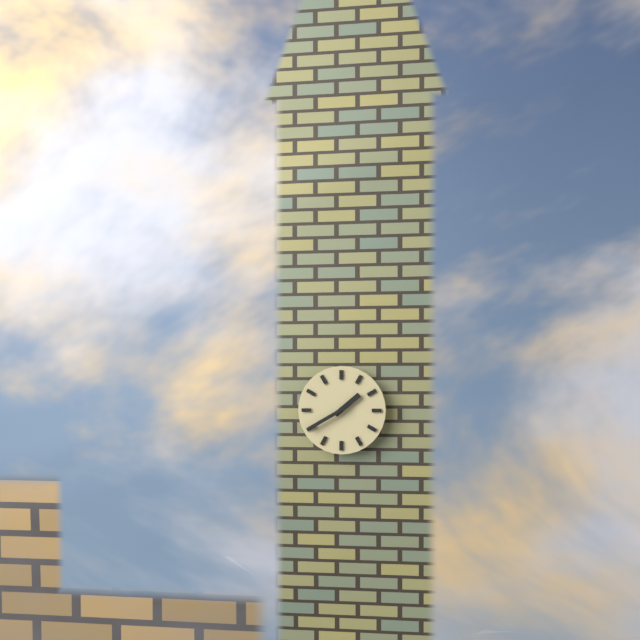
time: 1:40
